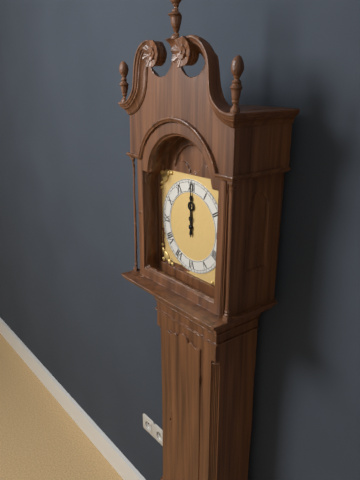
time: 12:00
